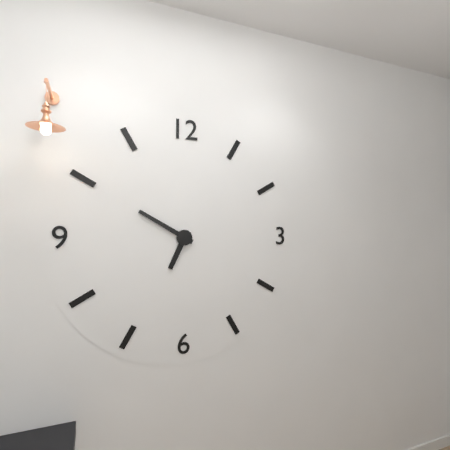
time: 6:50
